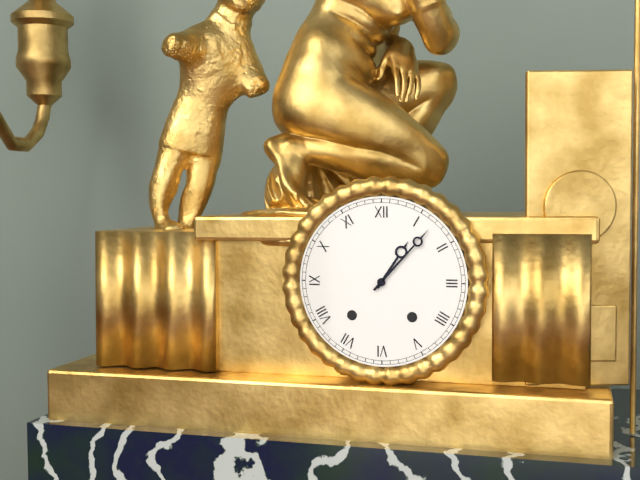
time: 1:07
